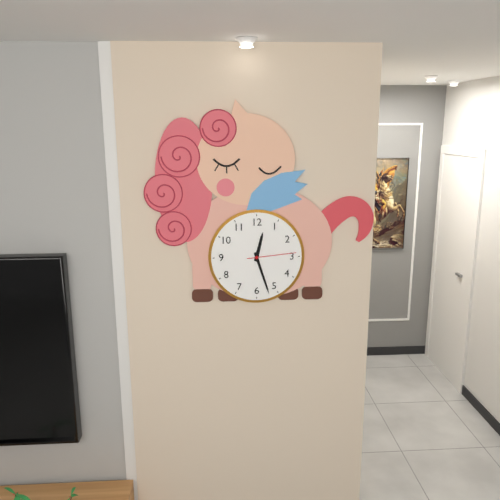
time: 12:27
